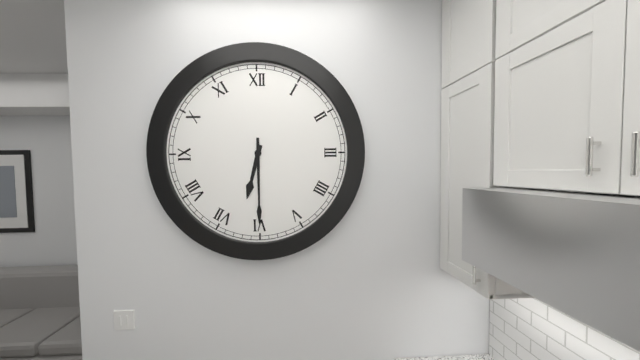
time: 6:30
